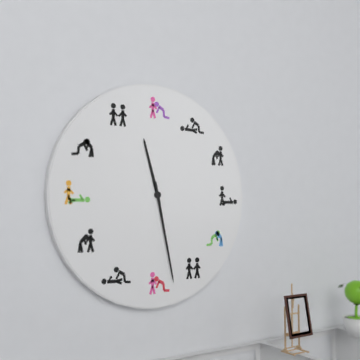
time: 11:28
